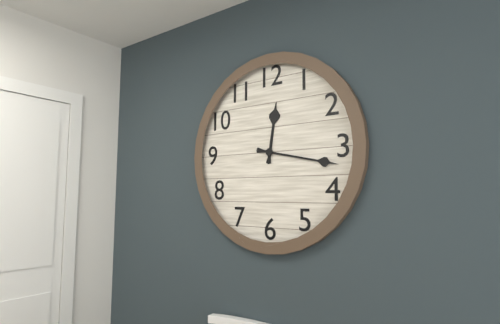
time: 12:17
